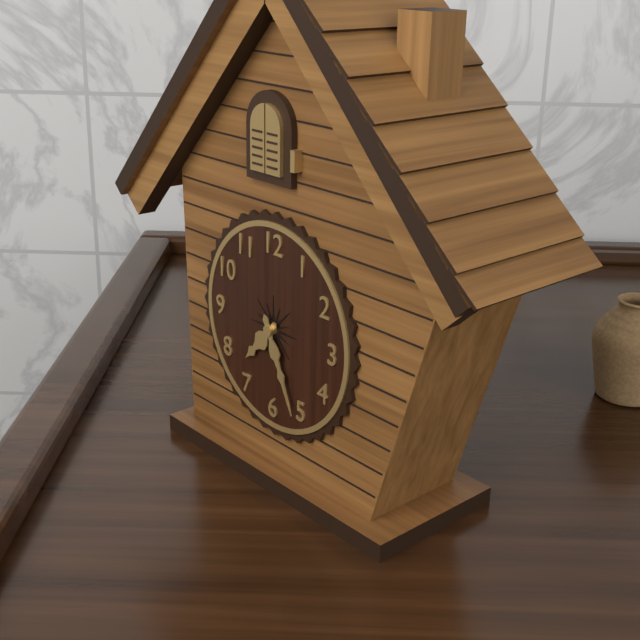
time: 7:26
